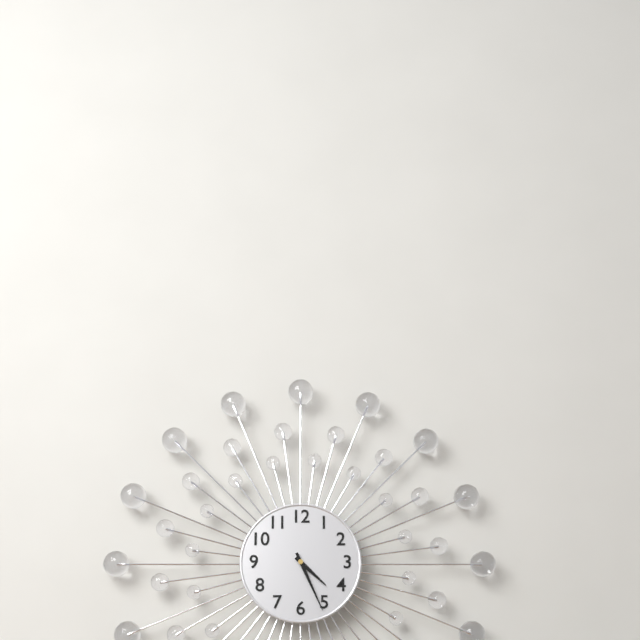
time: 4:26
